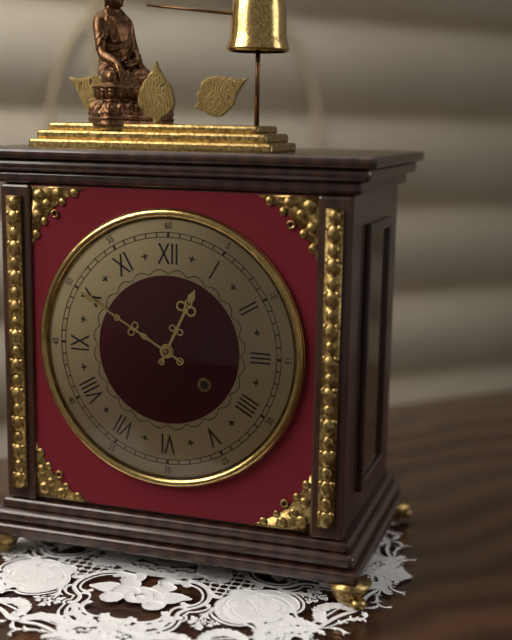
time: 12:50
